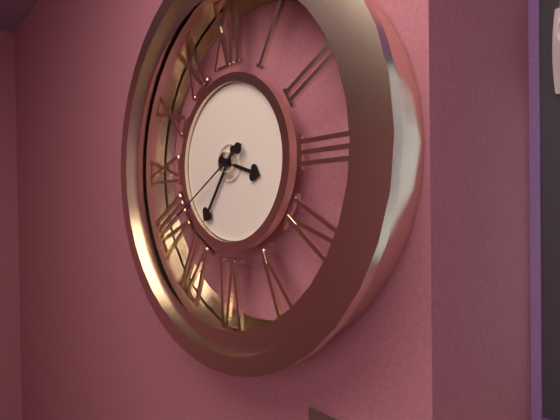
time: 3:36:40
